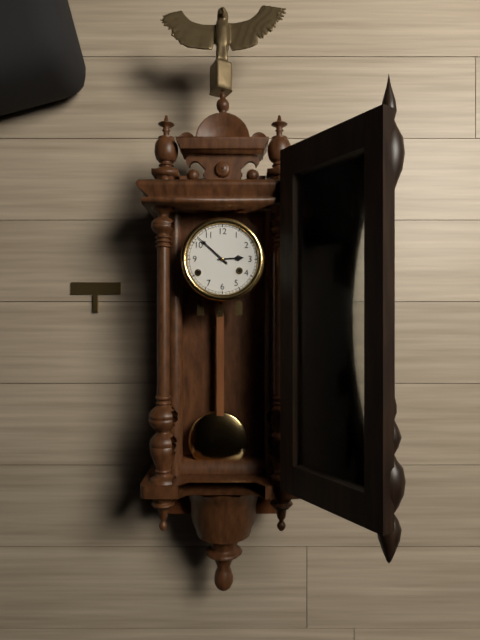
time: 2:52
